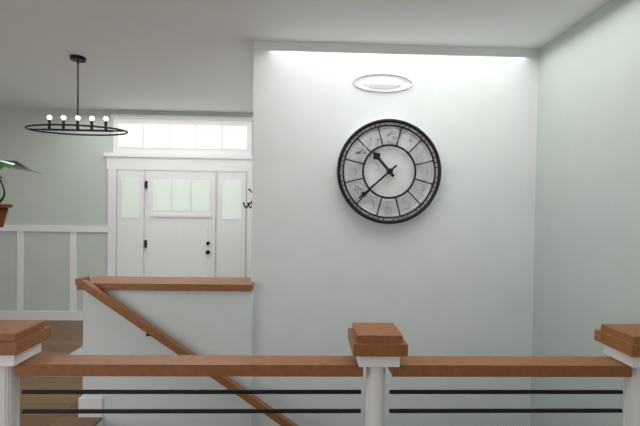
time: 10:38
